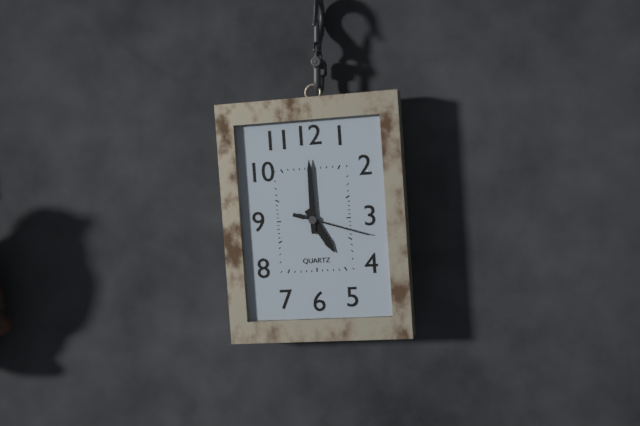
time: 5:00:18
